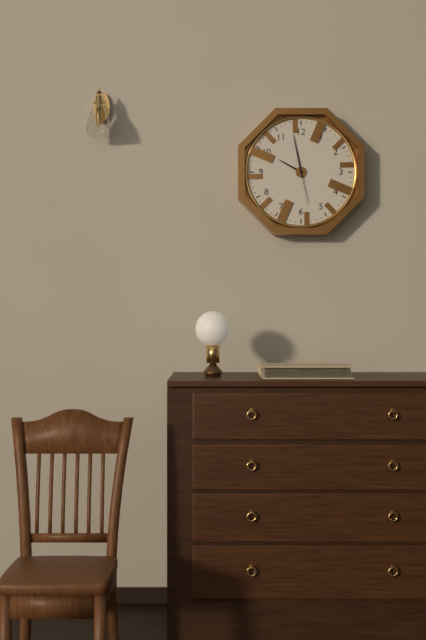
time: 9:58
